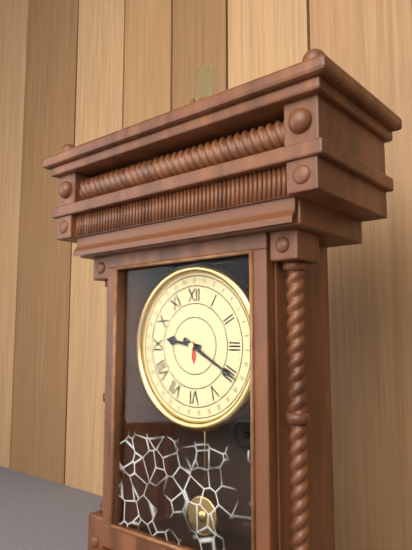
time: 9:20
